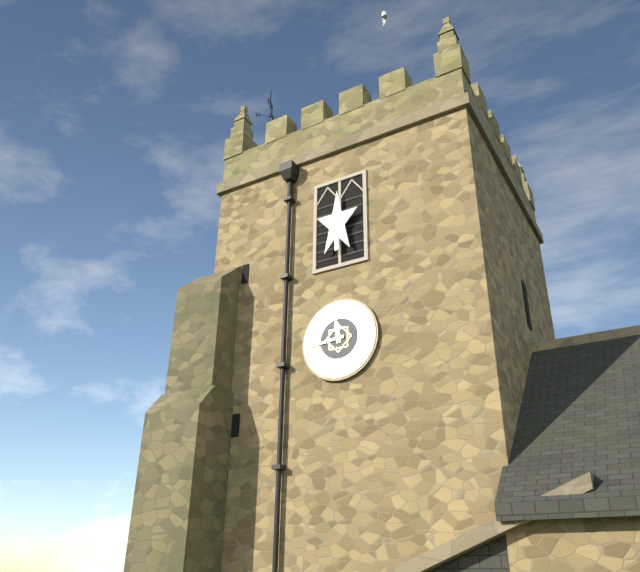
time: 11:44
